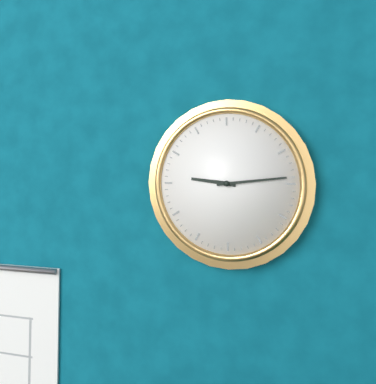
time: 9:14
